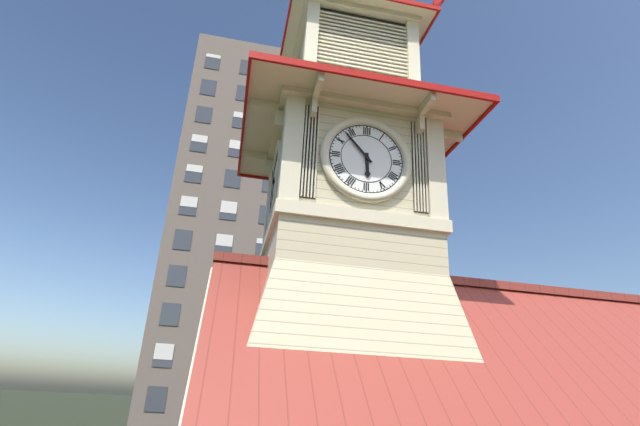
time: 5:53
